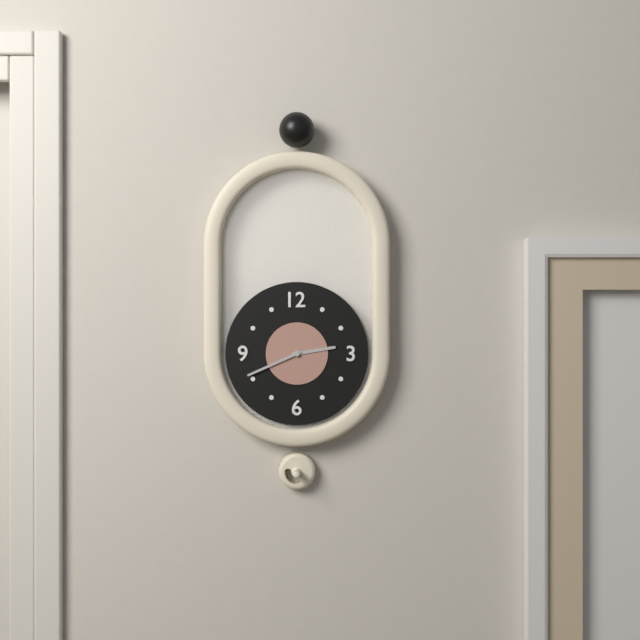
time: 2:41
